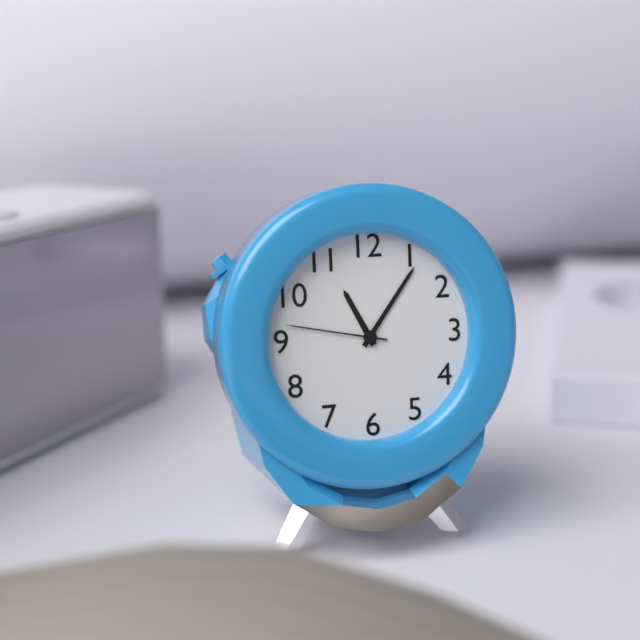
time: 11:06:47
